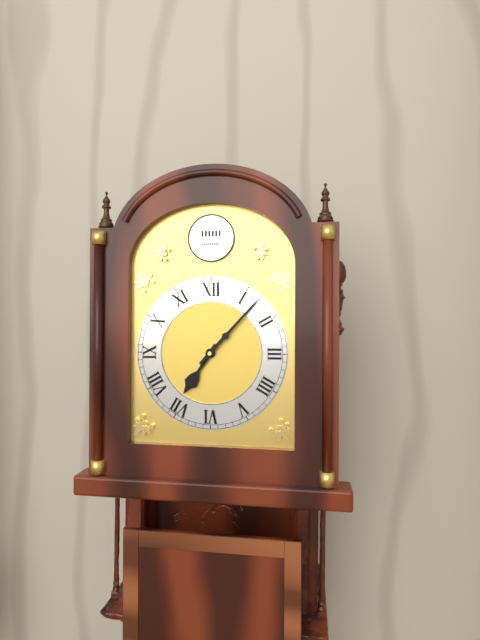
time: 7:07
